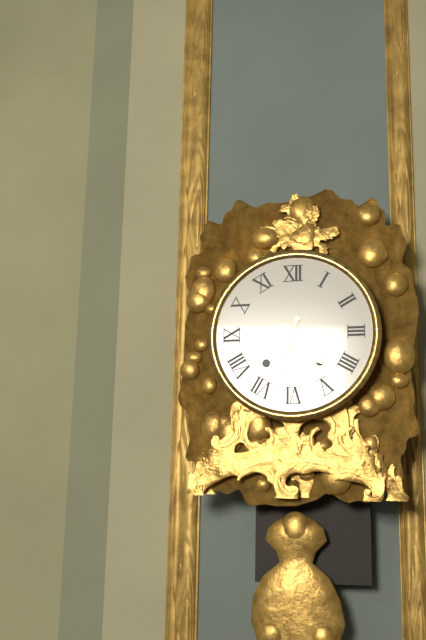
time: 4:33
